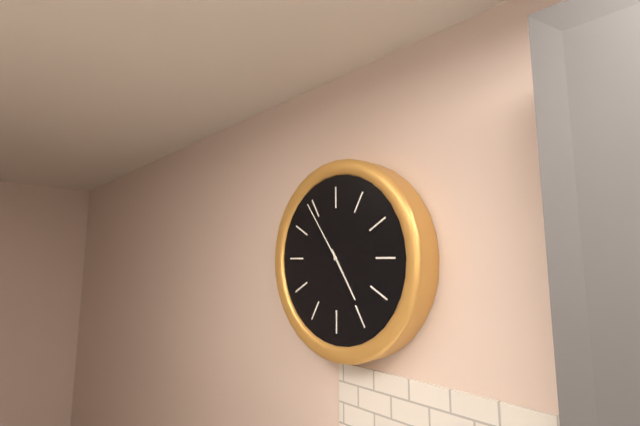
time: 4:54
